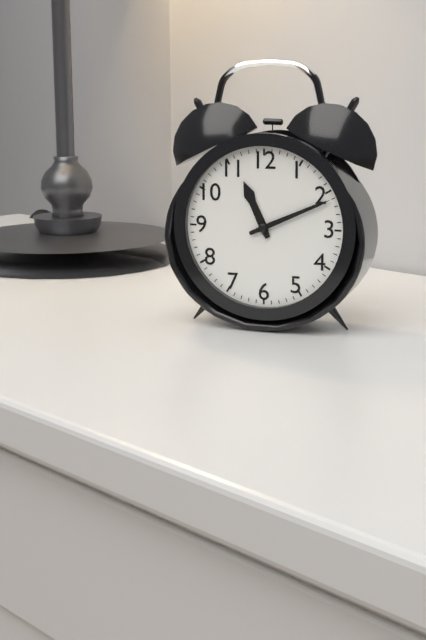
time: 11:11
